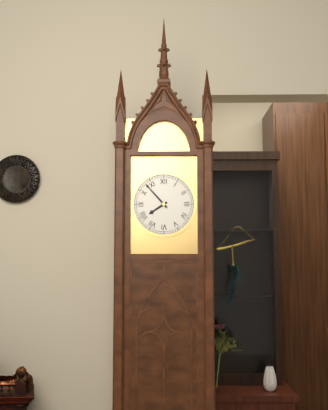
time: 7:53
